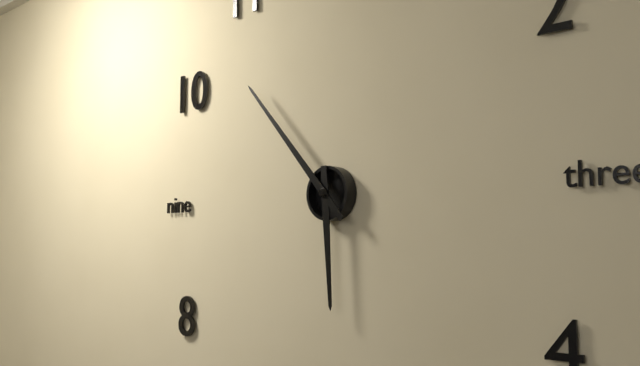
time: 5:53
